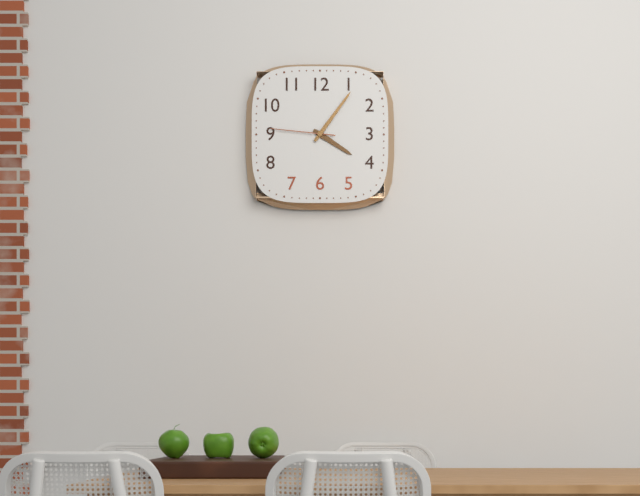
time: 4:06:46
